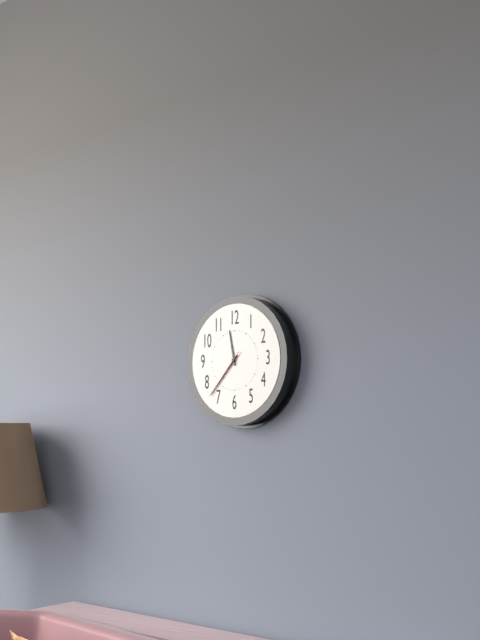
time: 11:37:37
